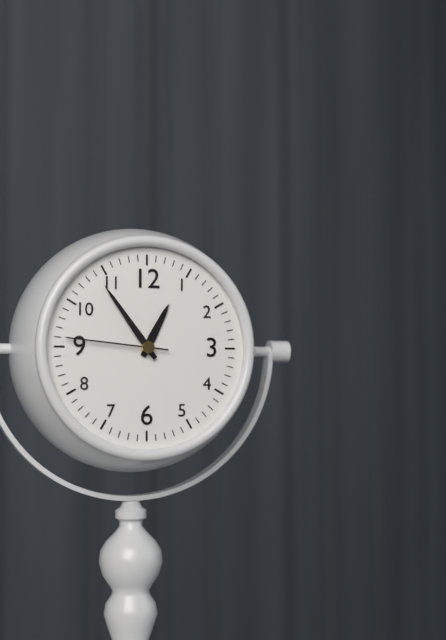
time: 12:54:46
